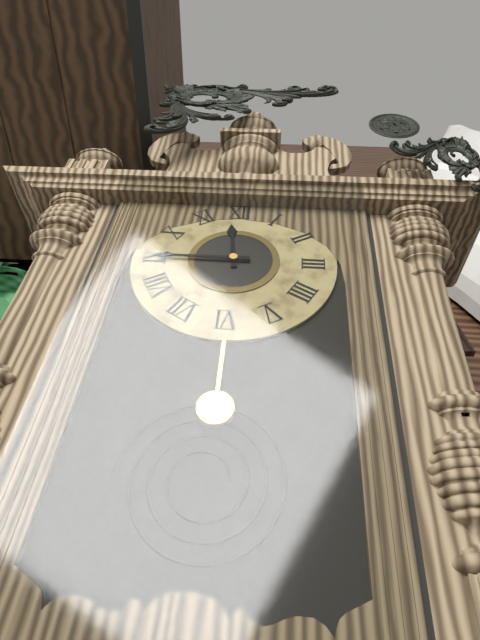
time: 11:45
